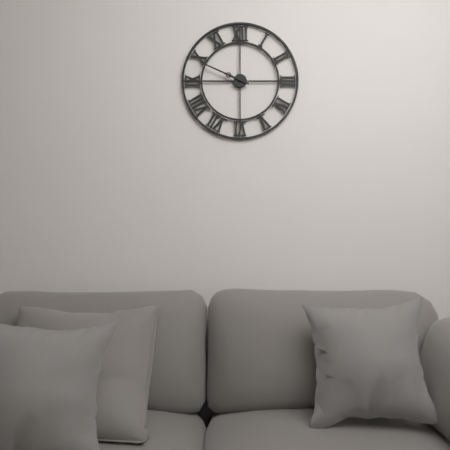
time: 9:49
